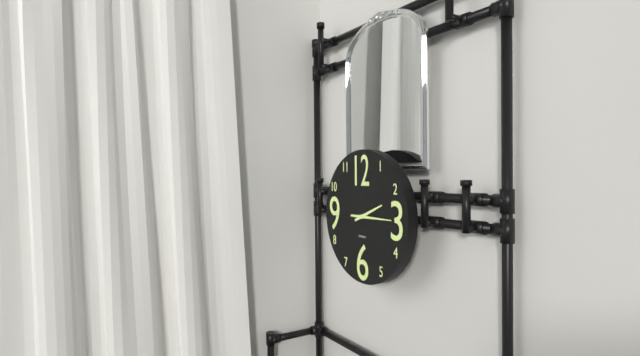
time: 2:15
